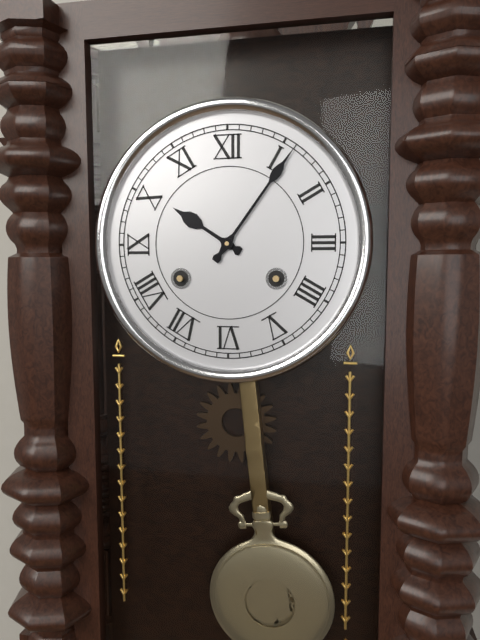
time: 10:06
